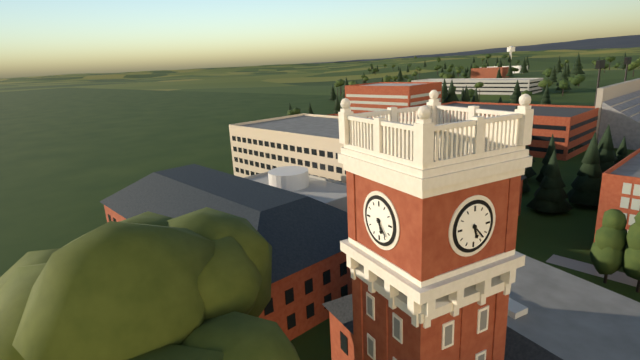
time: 5:23
